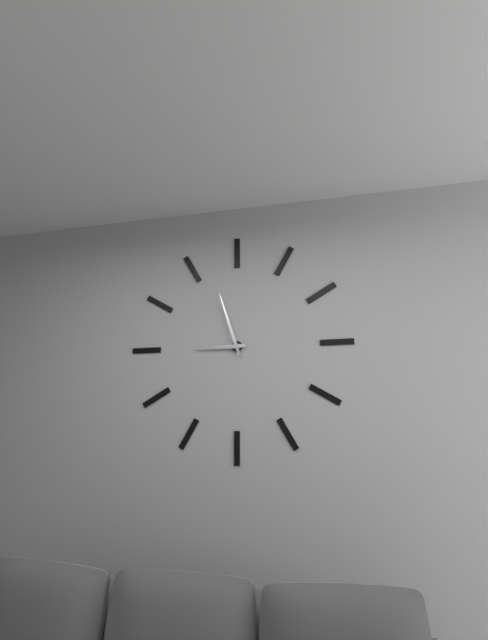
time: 8:57
